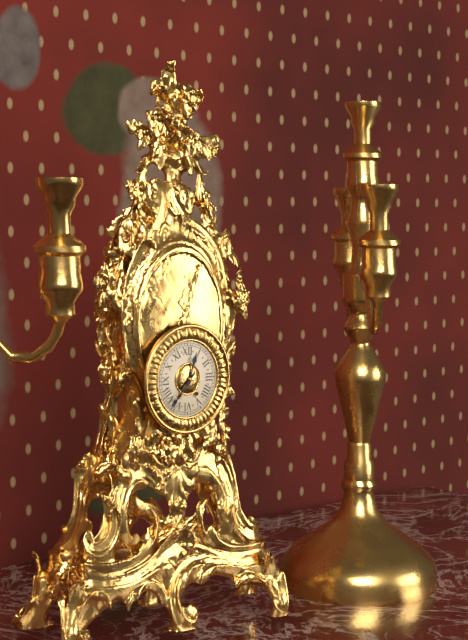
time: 12:37
